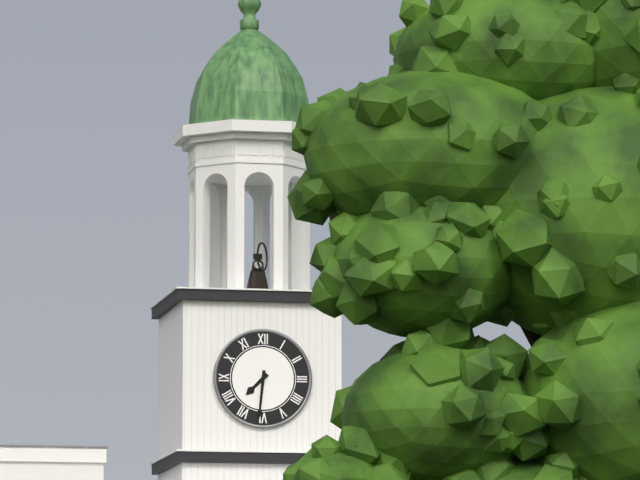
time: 7:31
